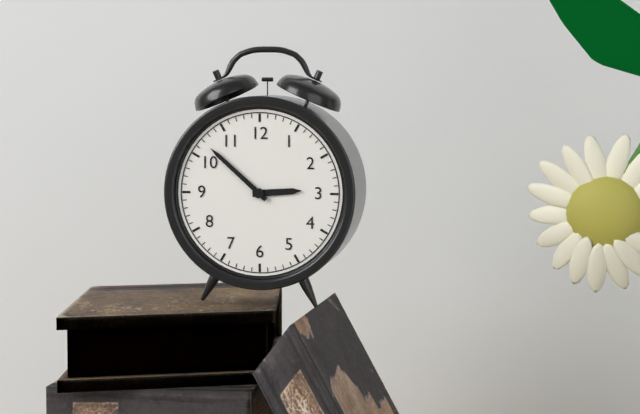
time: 2:52
